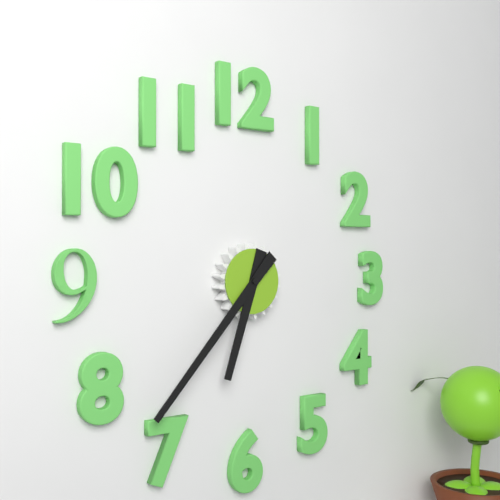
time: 6:37
